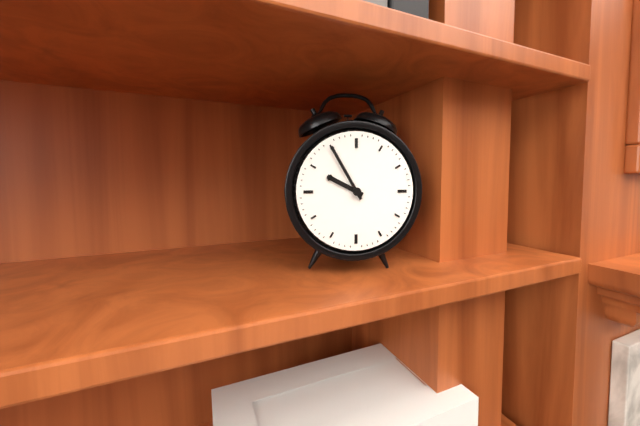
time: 9:55
